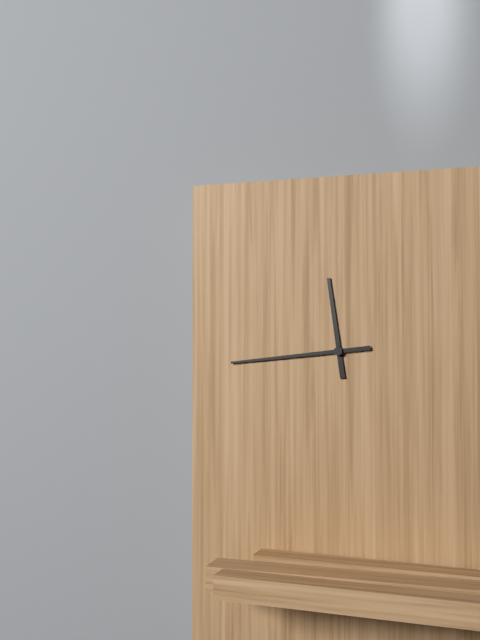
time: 11:44
